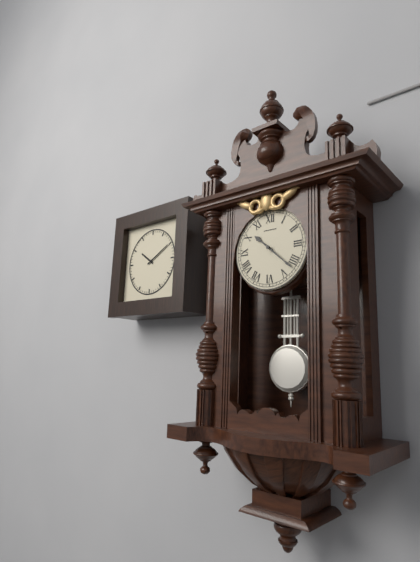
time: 10:22
